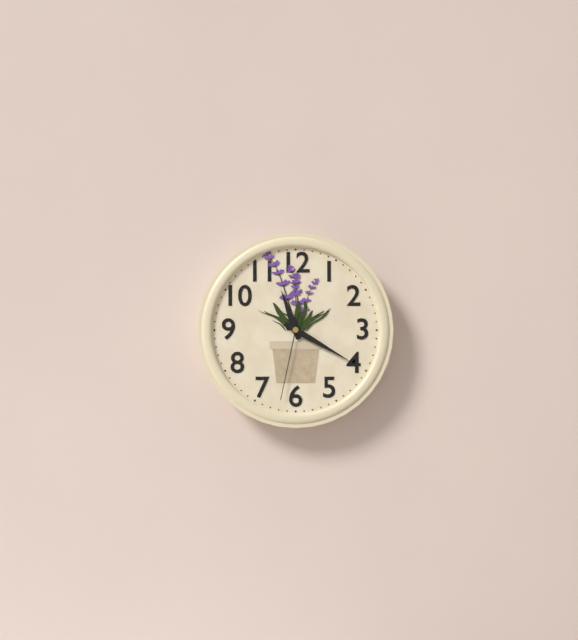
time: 11:20:32
